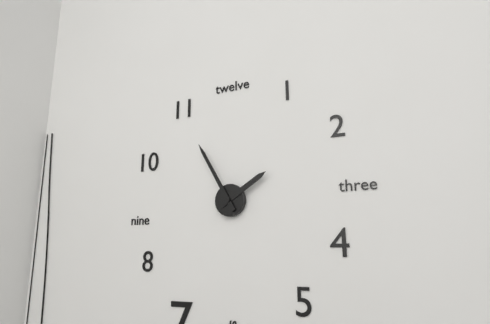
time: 1:55
